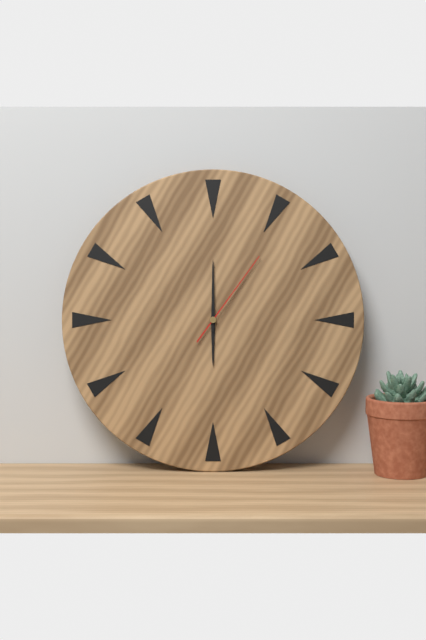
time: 6:00:06
